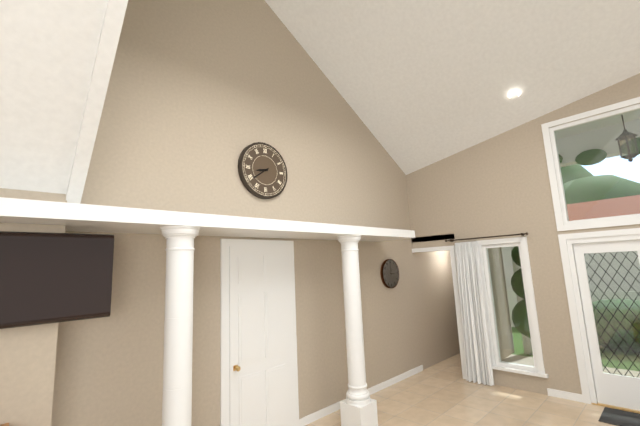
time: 8:39
